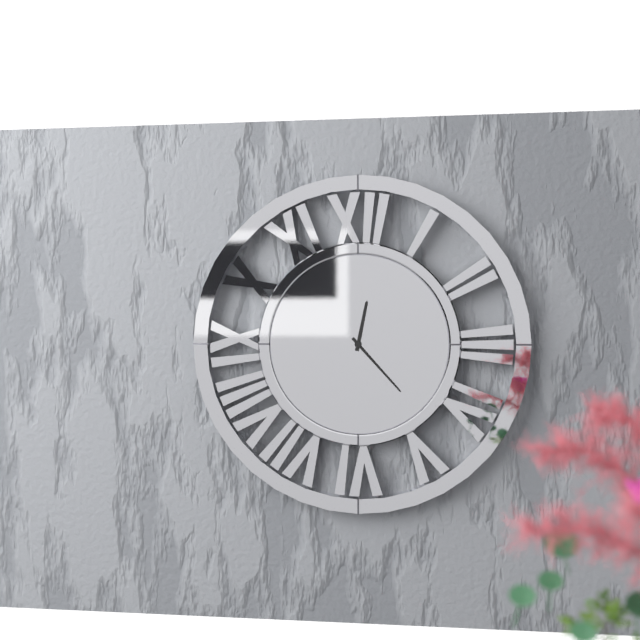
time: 12:23
